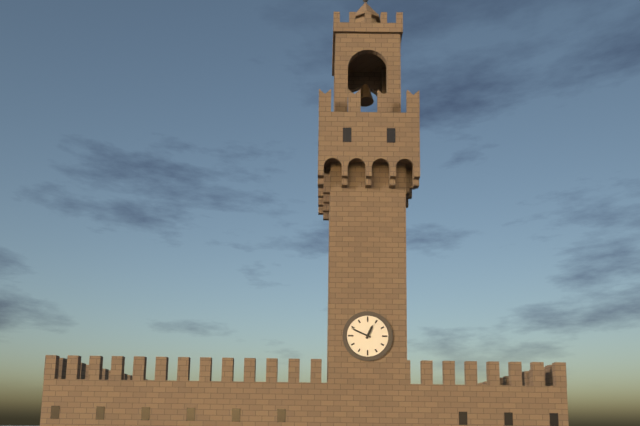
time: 12:49
